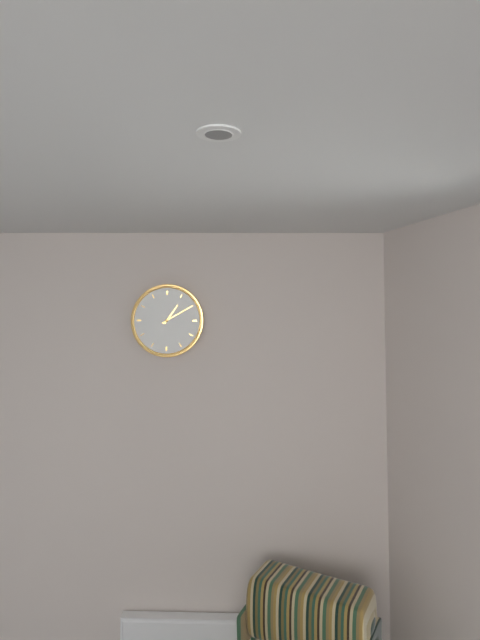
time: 1:10
